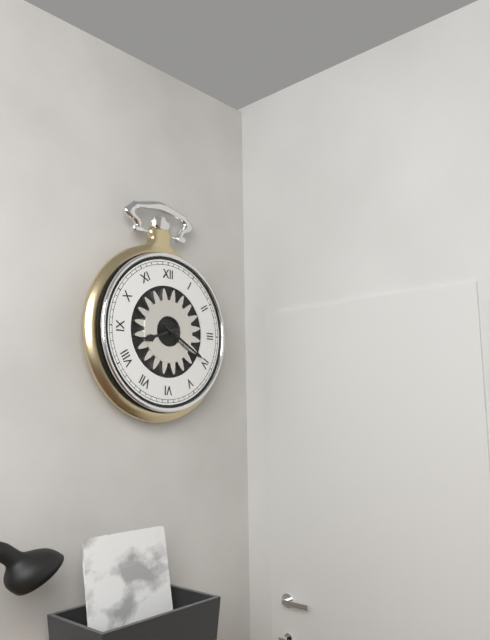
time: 8:20
